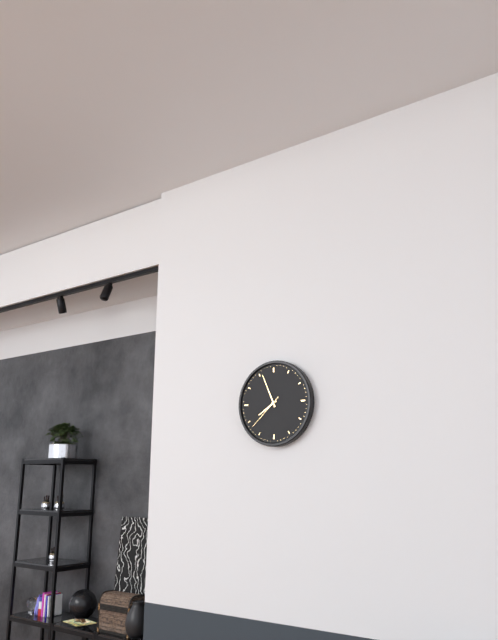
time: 7:56
